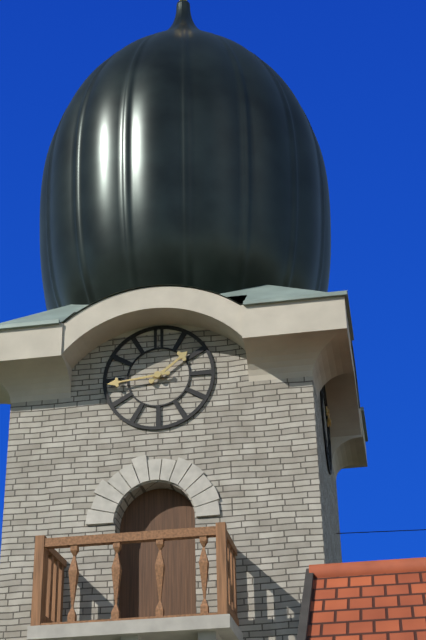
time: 1:44
